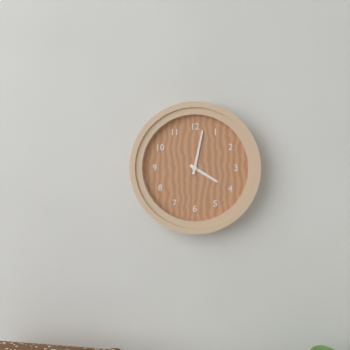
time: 4:02
